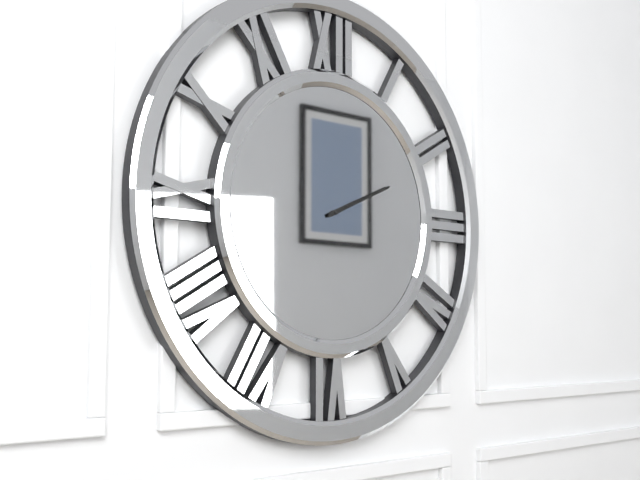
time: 2:11
